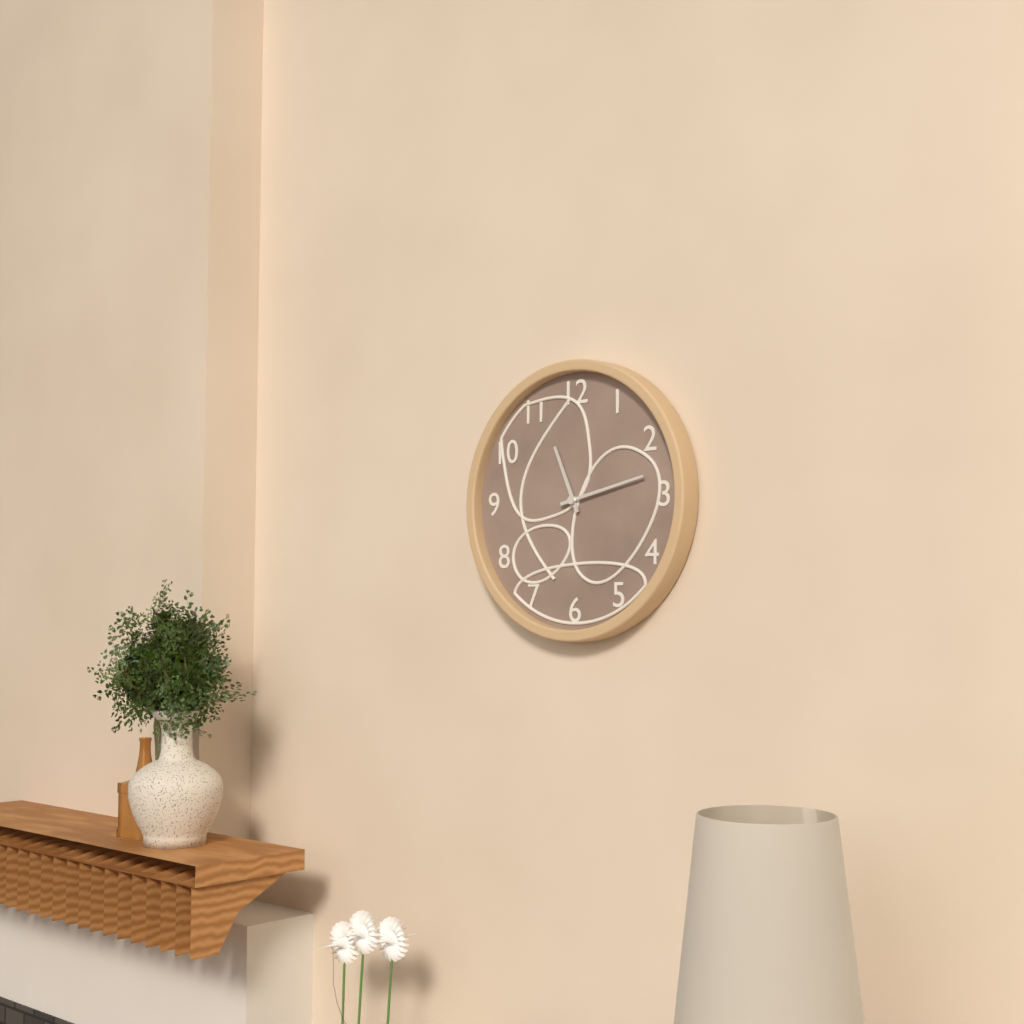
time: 11:13
